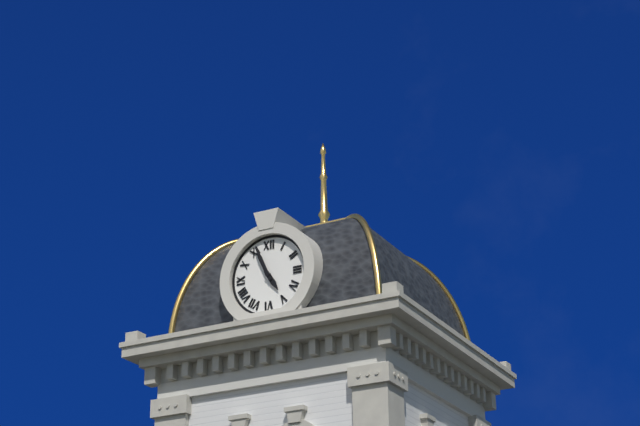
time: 4:56
